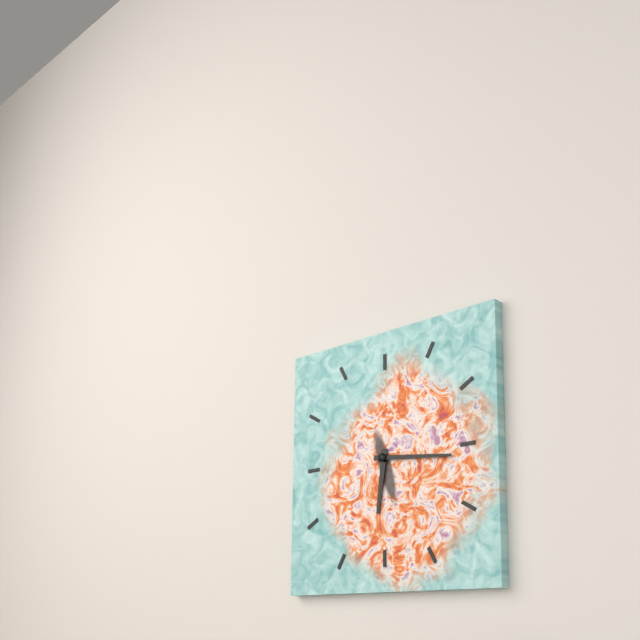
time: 6:16
